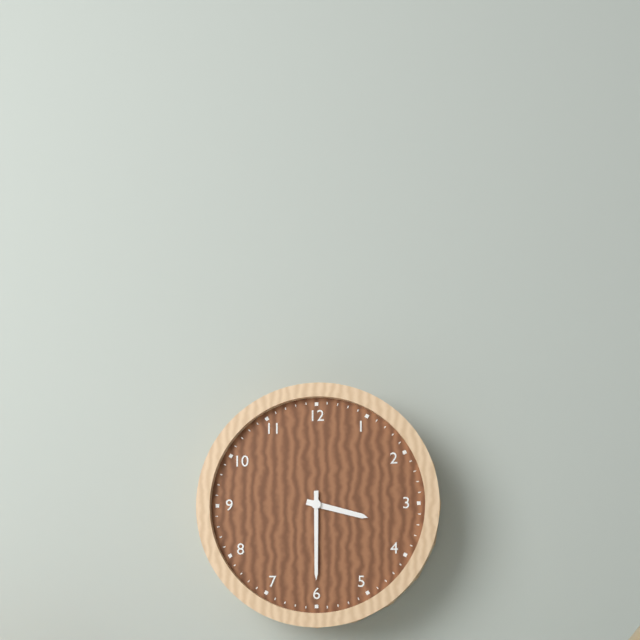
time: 3:30
